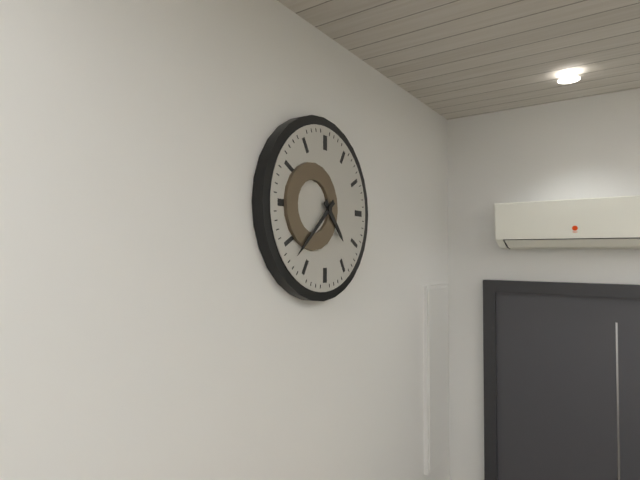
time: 4:38
